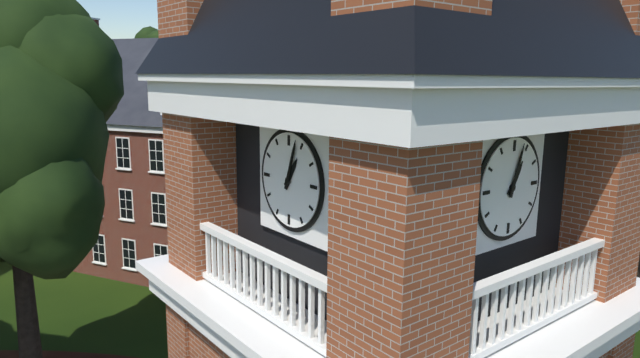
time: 1:03
